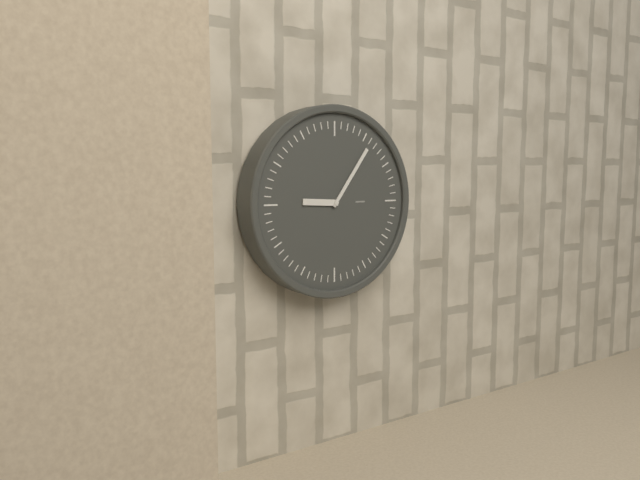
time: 9:06
